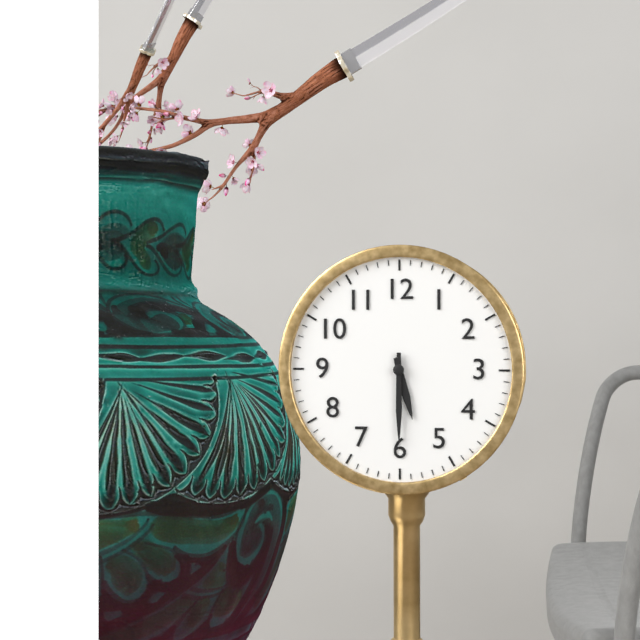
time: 5:30
